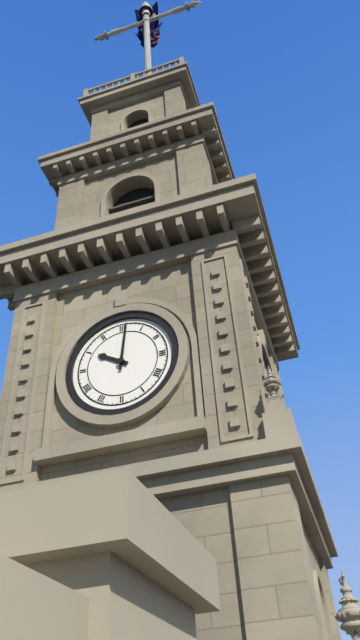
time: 10:01
